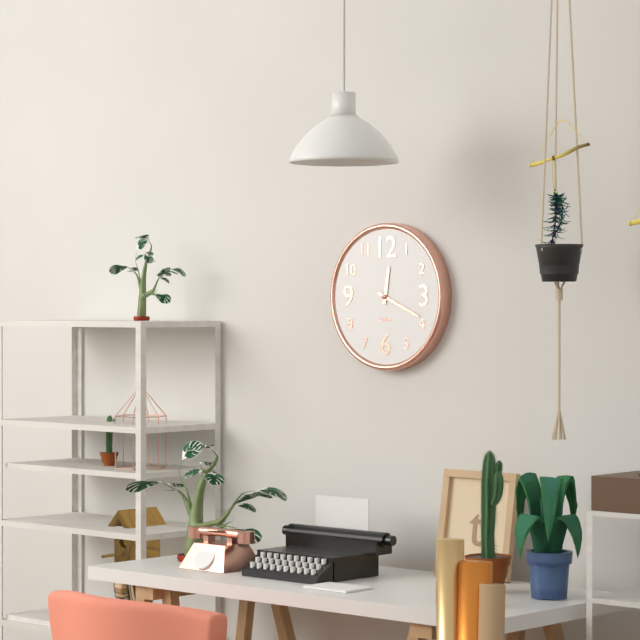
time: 12:19
